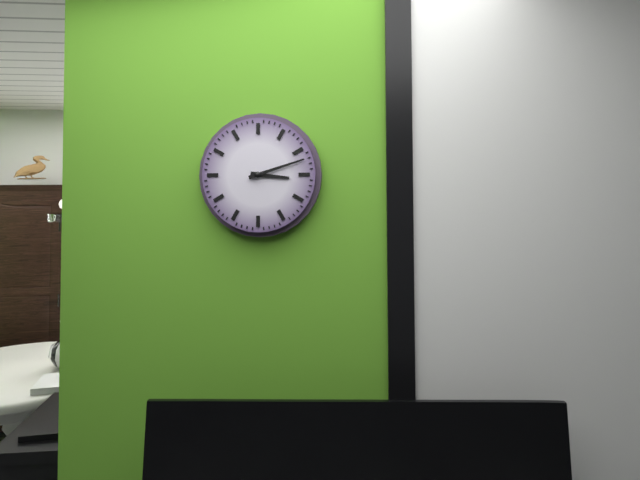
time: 3:12
